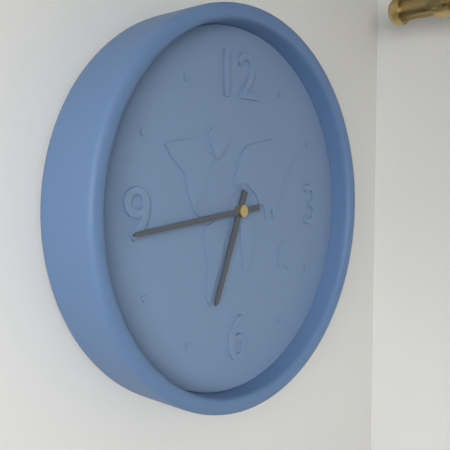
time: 6:44
